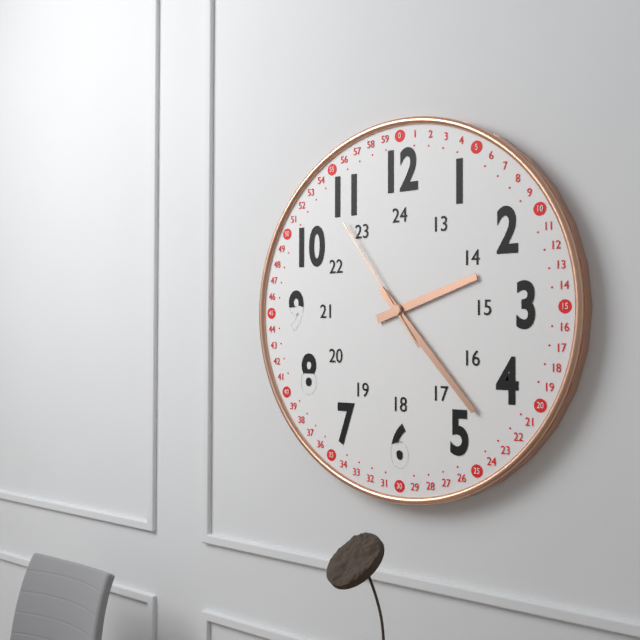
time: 2:23:54
